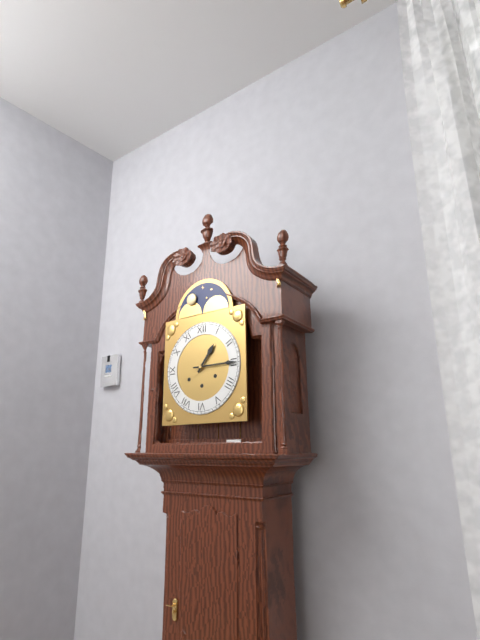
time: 1:15
